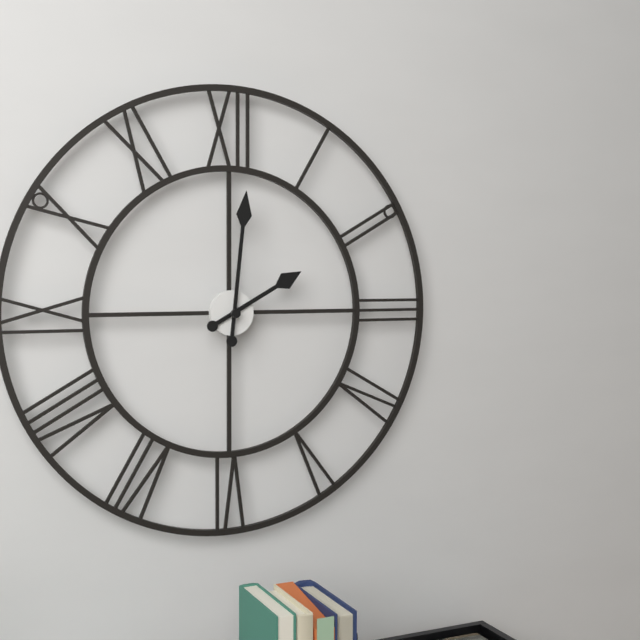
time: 2:01
